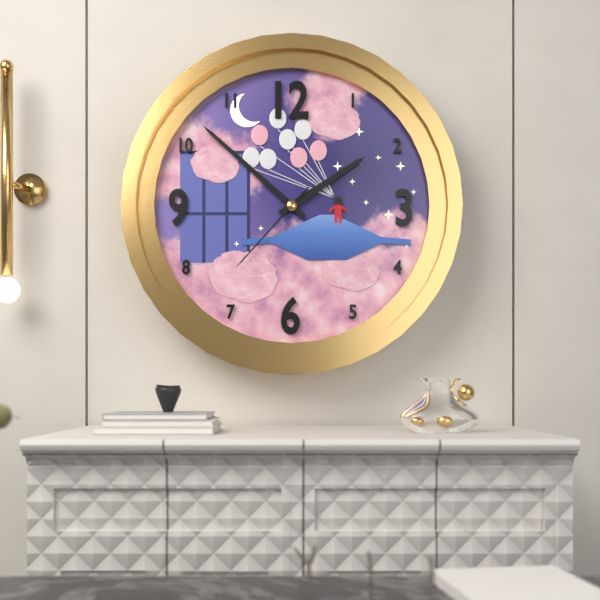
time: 1:52:37
